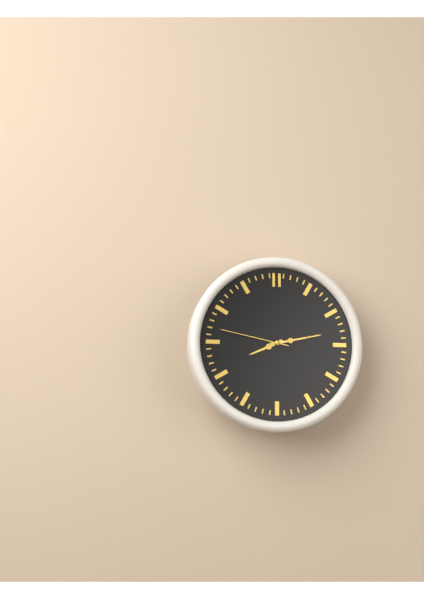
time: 8:13:47
